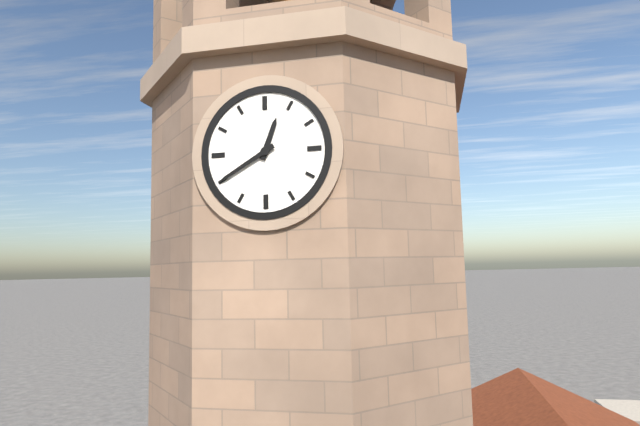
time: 12:40
